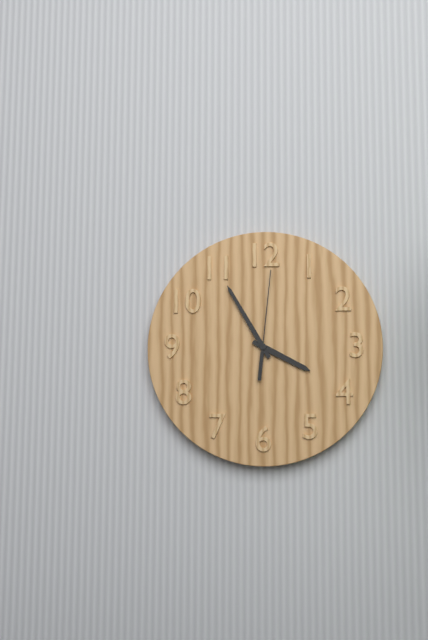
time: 3:55:01
